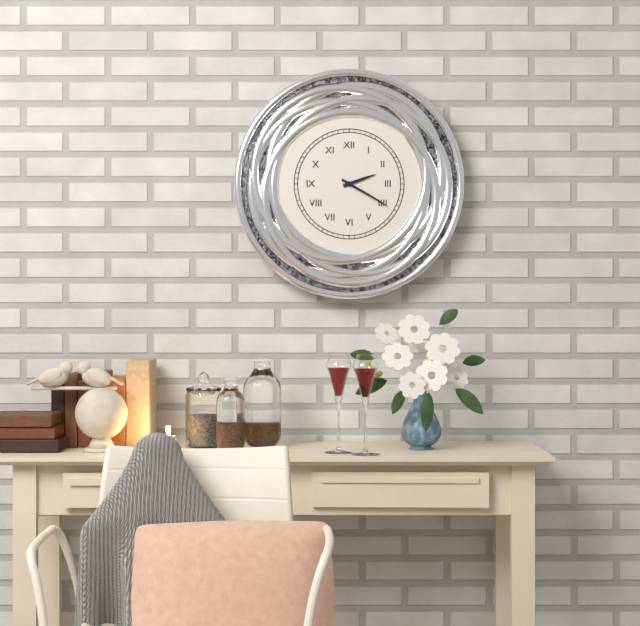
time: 2:20
